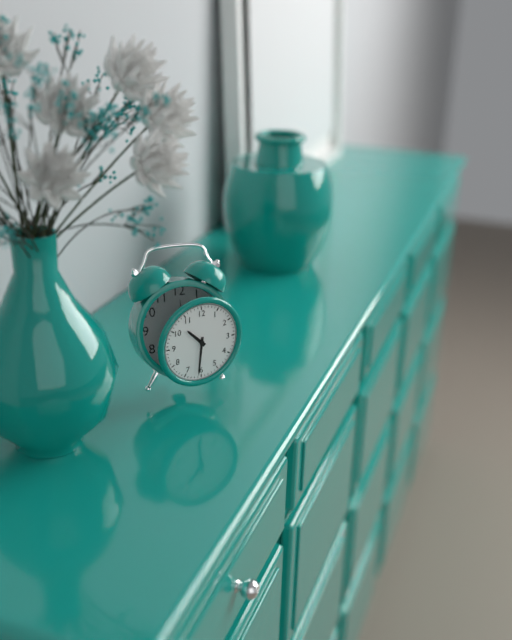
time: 10:31
